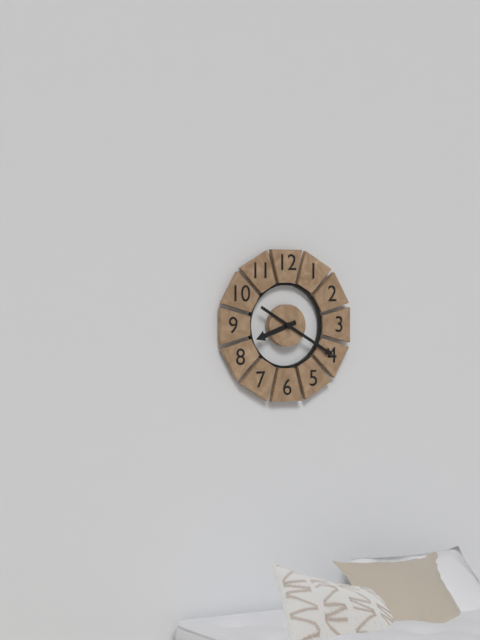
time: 8:20
